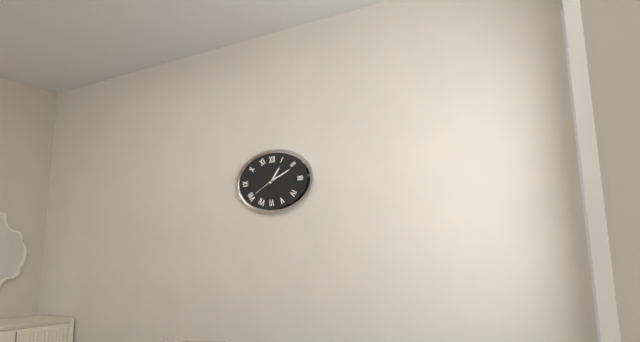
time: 1:11
